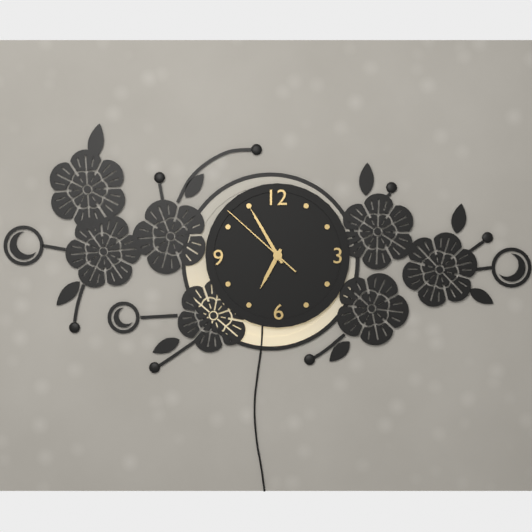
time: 6:55:52
